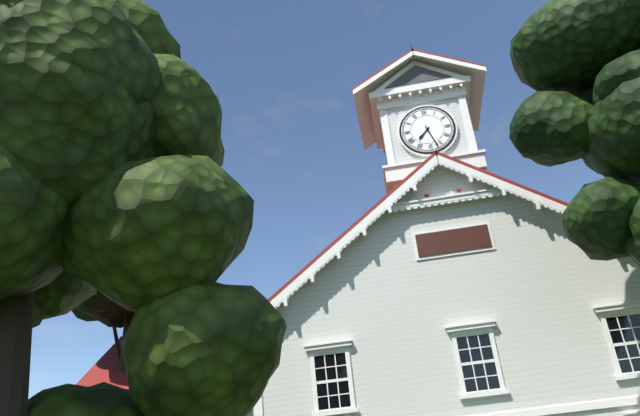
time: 7:27
